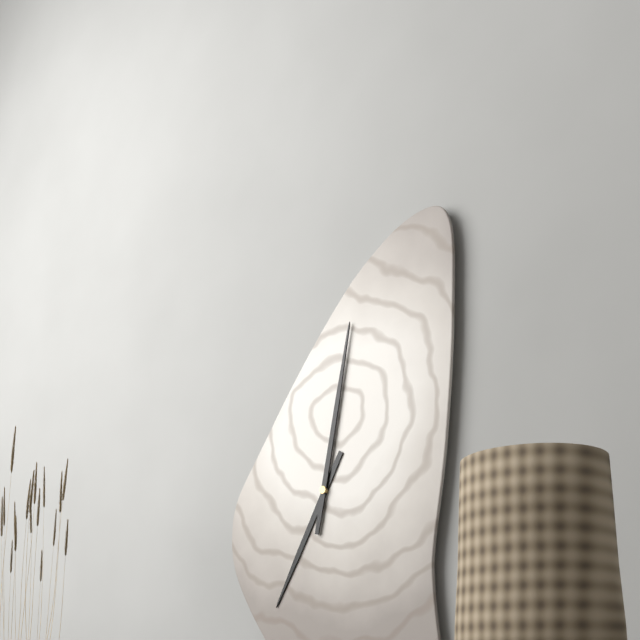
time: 7:02
